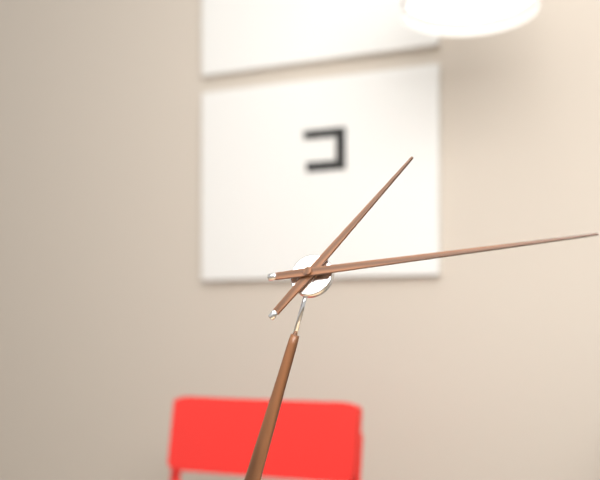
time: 1:14
